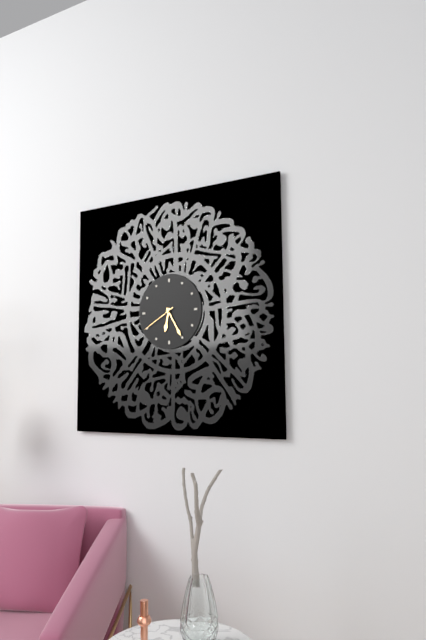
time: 6:25
